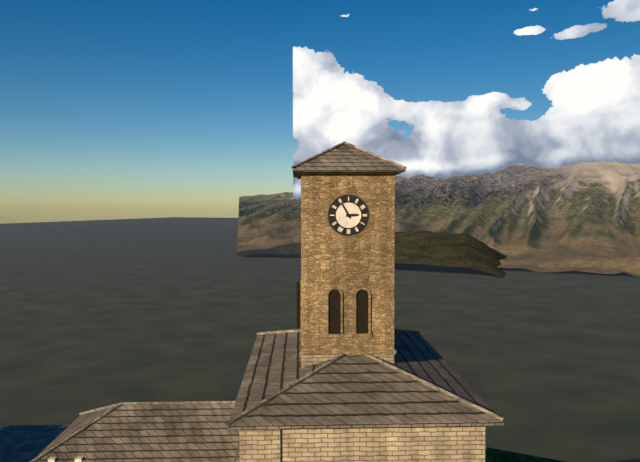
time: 2:55
